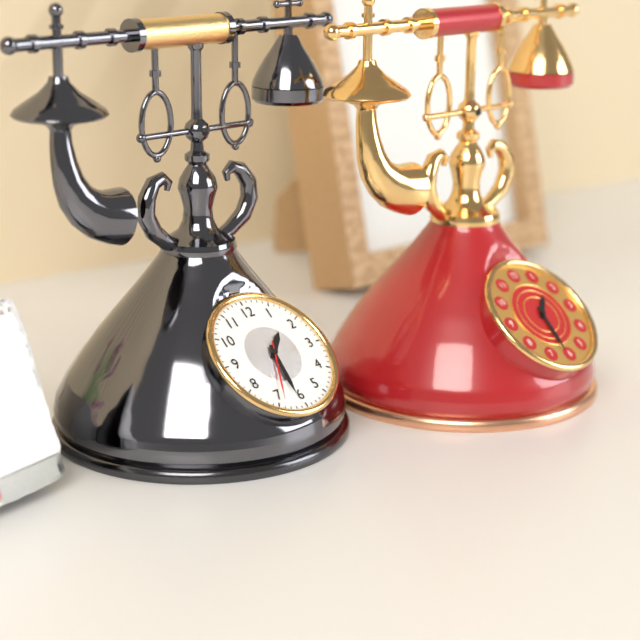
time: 1:31:34
